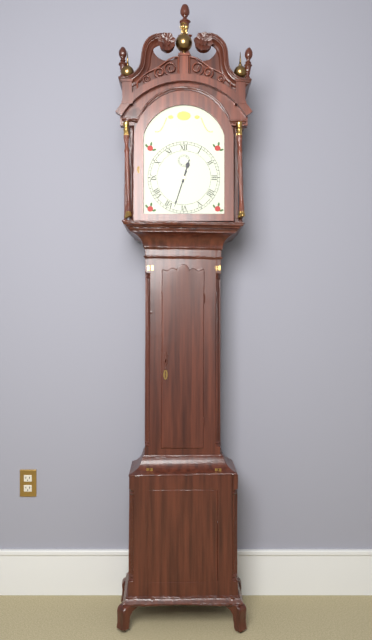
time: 12:33
